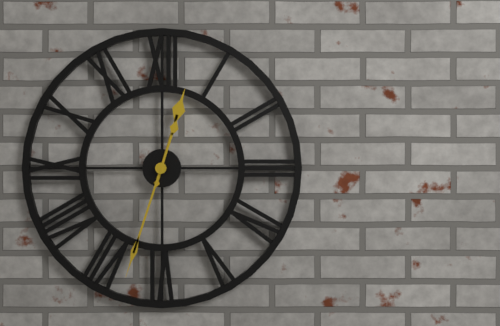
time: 12:33
